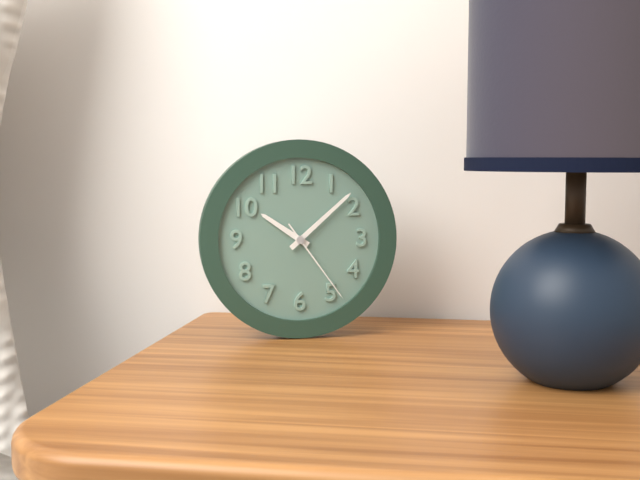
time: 10:08:24
